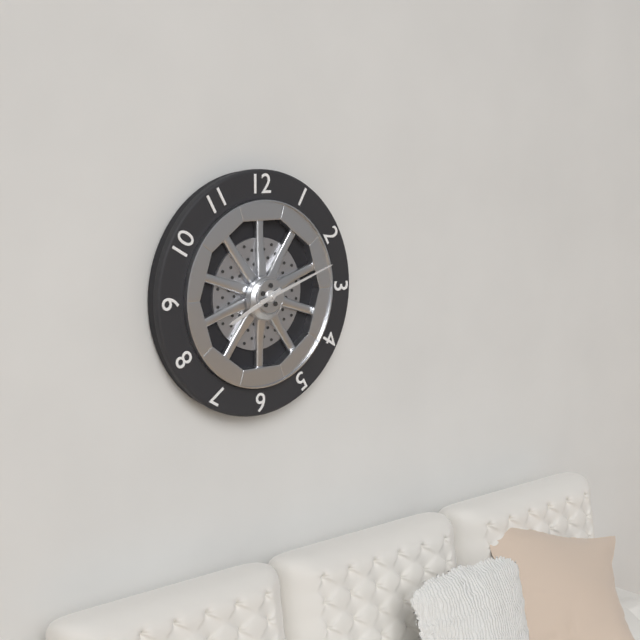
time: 8:12
